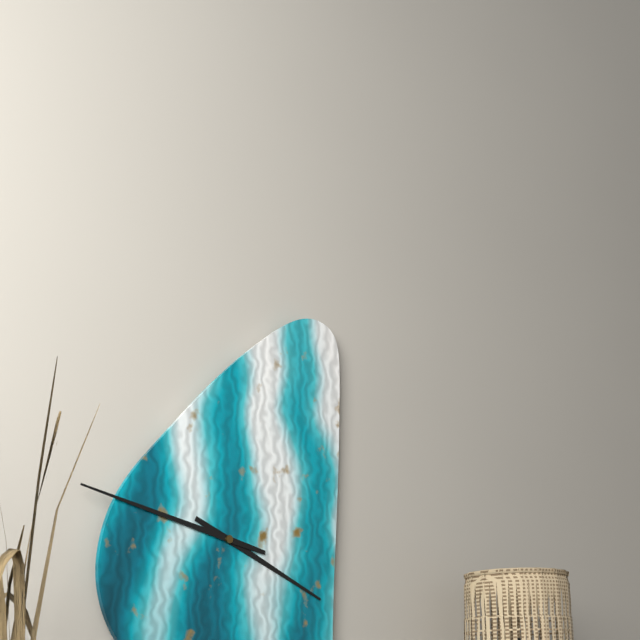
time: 3:47
